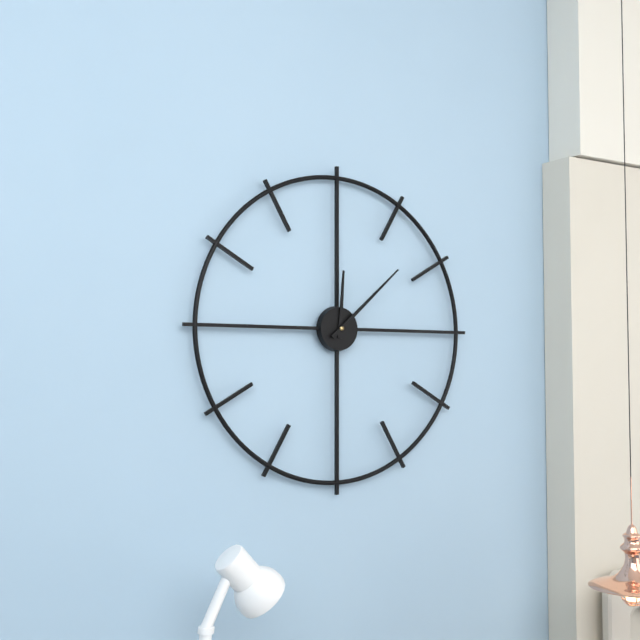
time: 12:08
